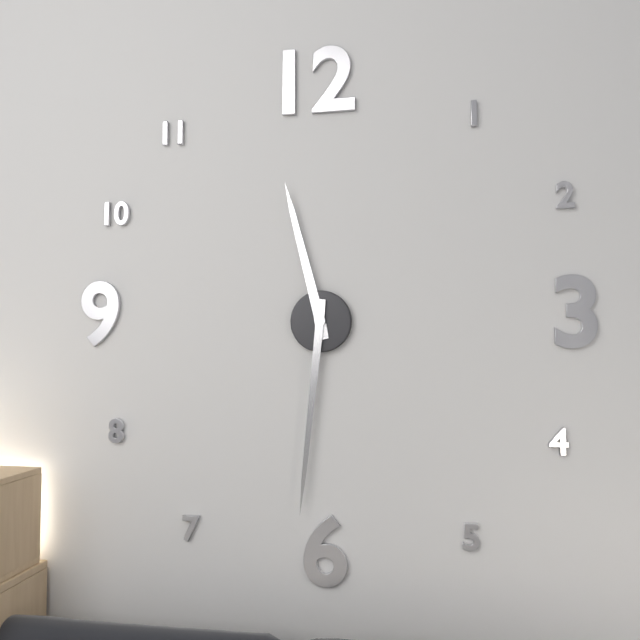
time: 11:31
